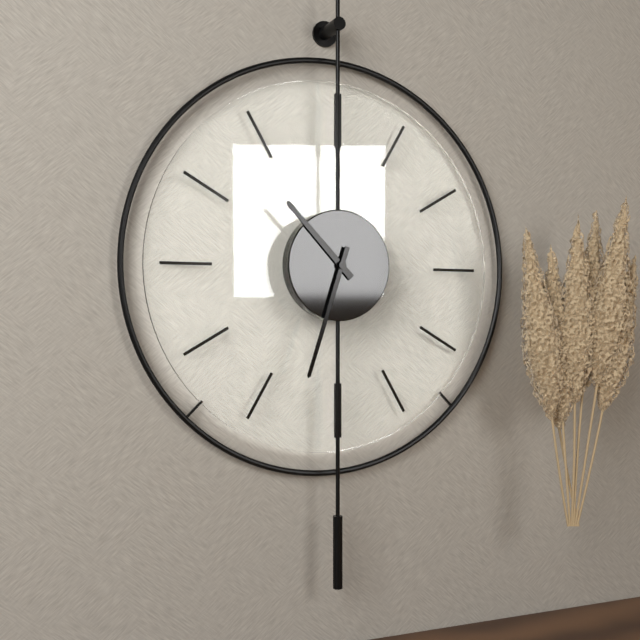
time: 10:33
